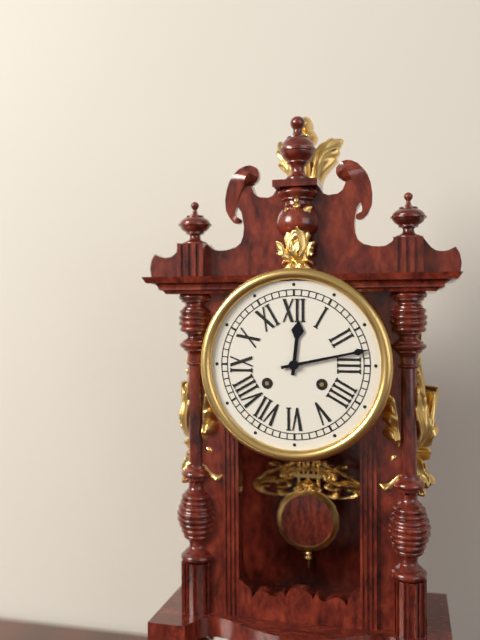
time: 12:13
